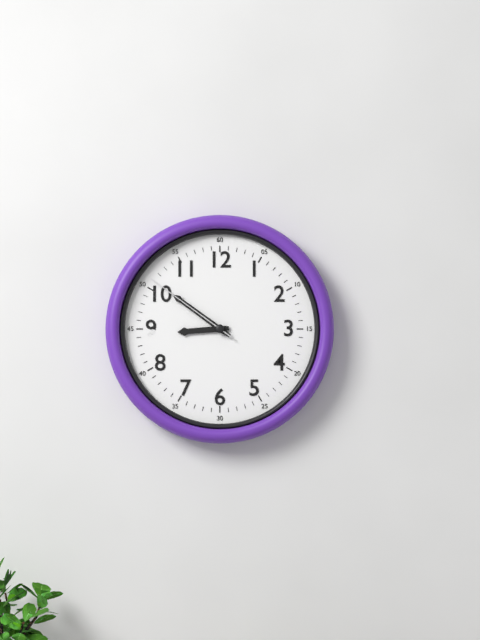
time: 8:51:51
